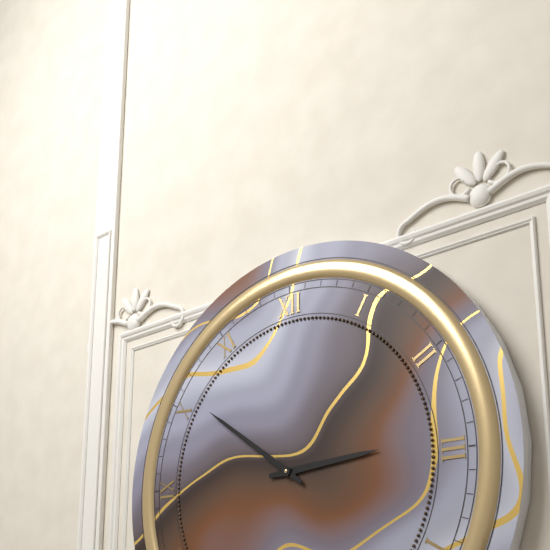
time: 2:51
